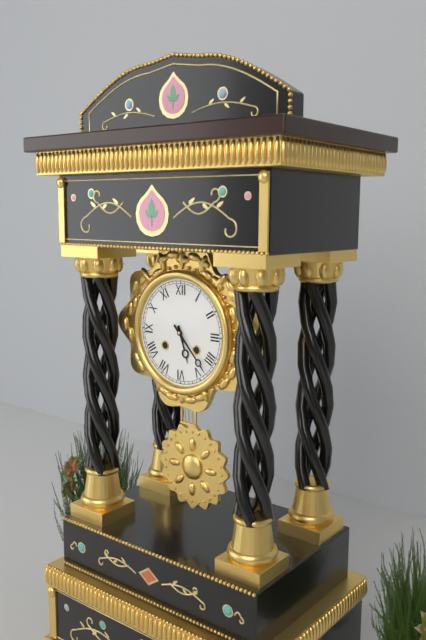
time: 5:23
